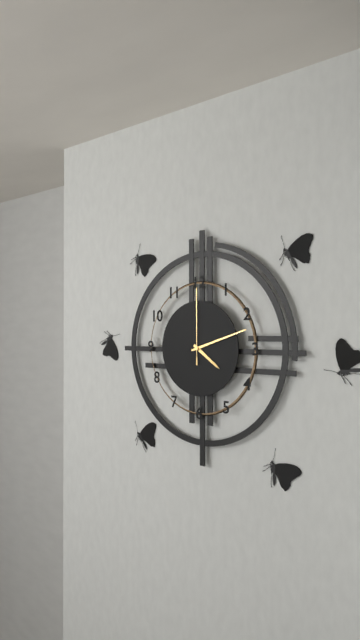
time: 4:12:00
